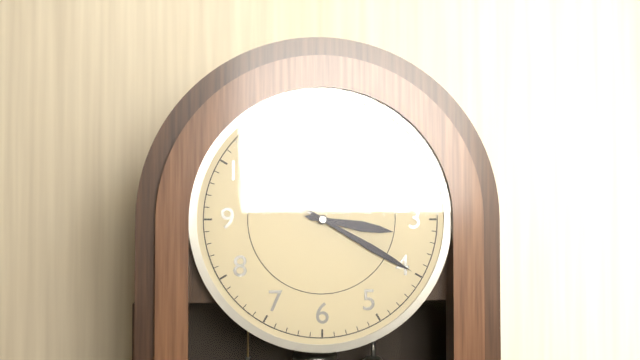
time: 3:20
